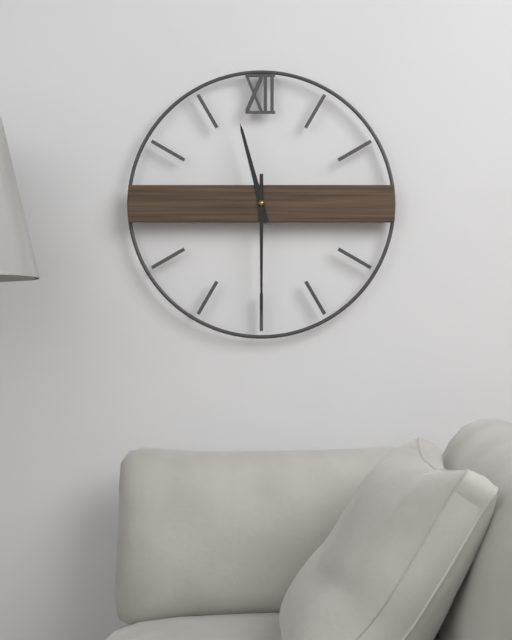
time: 11:30
